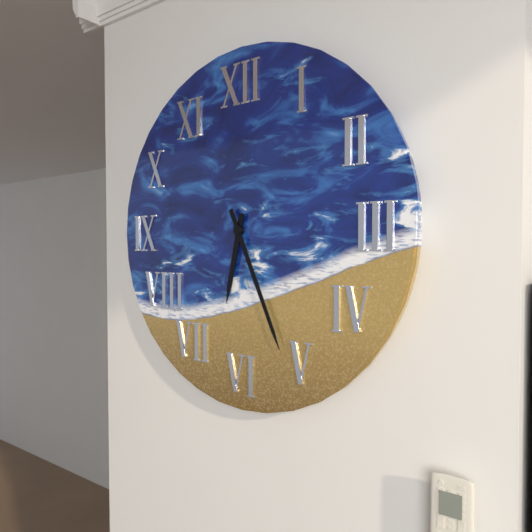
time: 6:26
